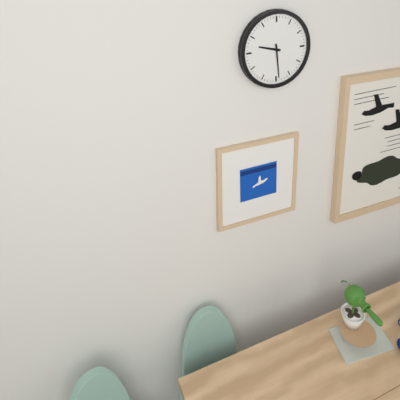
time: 9:29
